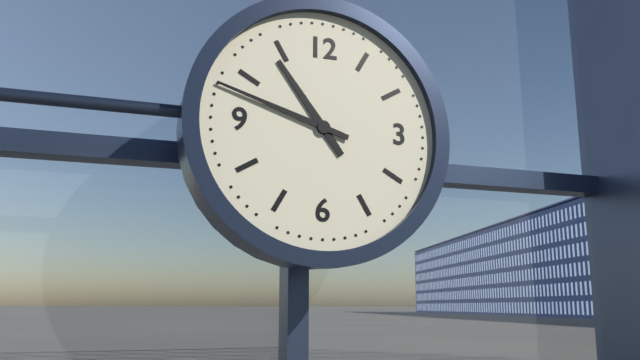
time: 10:48
